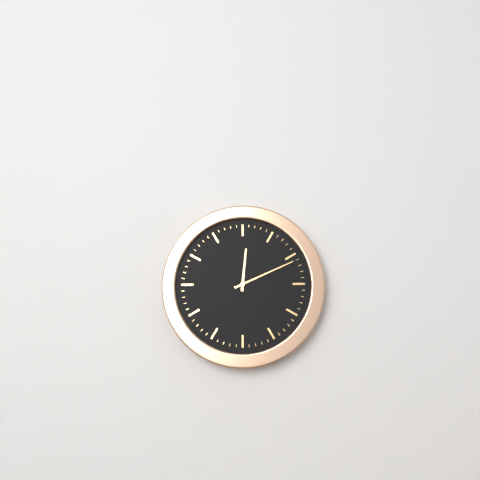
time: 12:11
